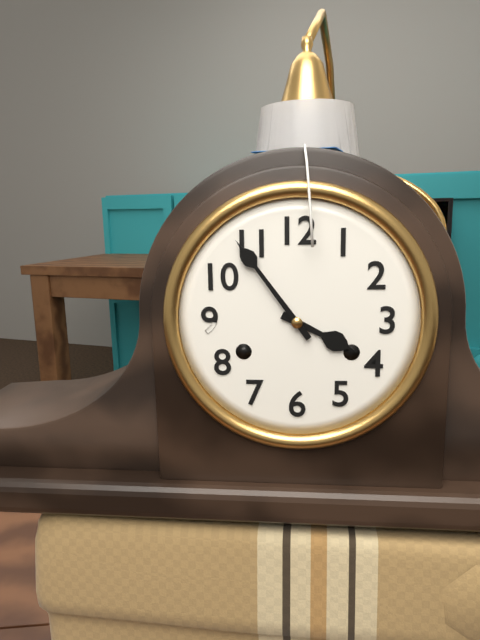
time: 3:54
